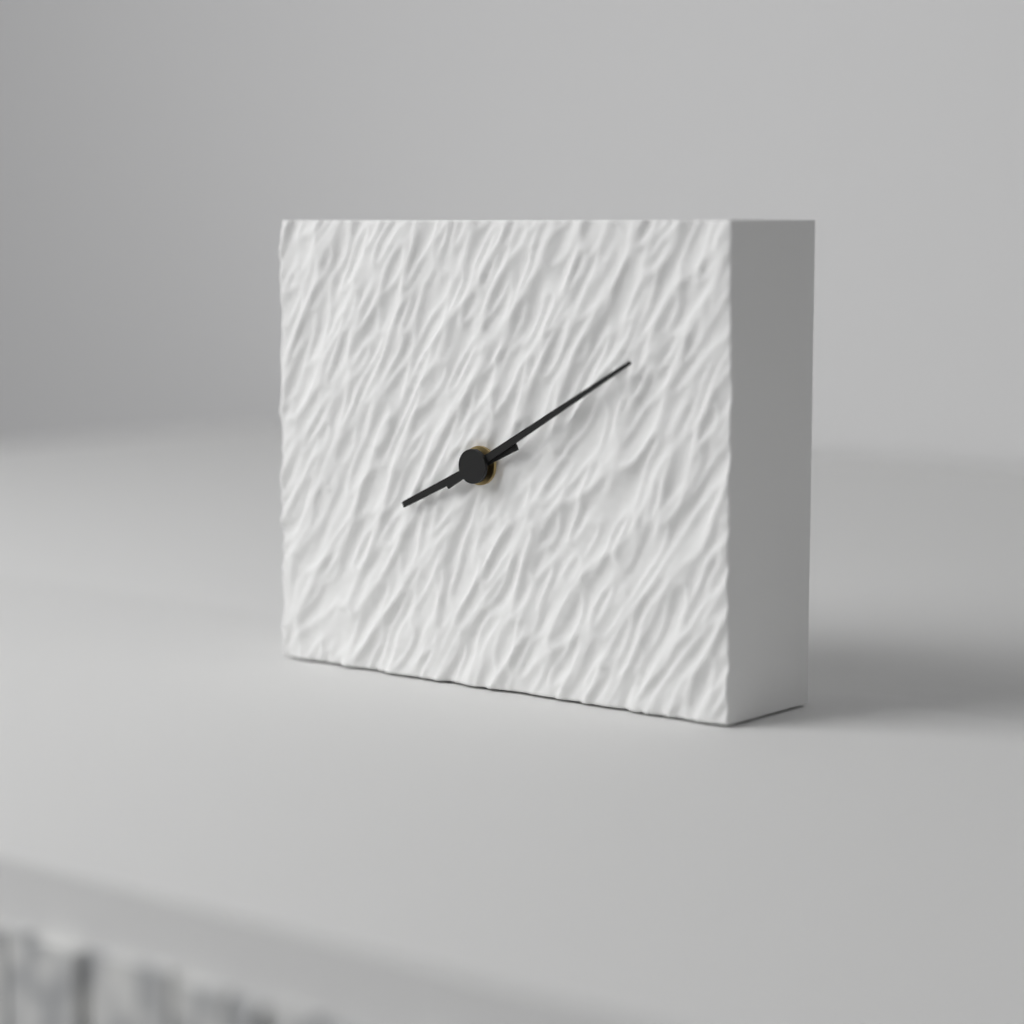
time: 8:10
